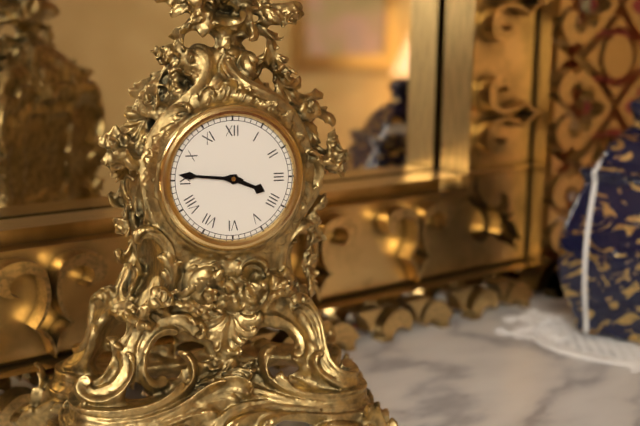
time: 3:46
